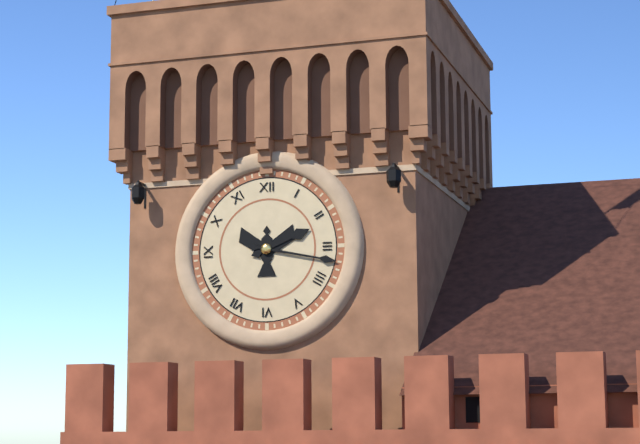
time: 2:17
